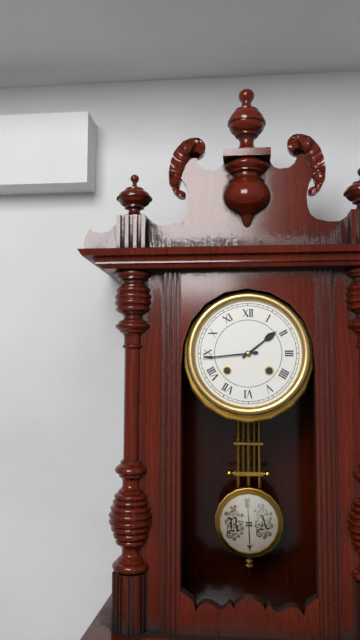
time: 1:44
